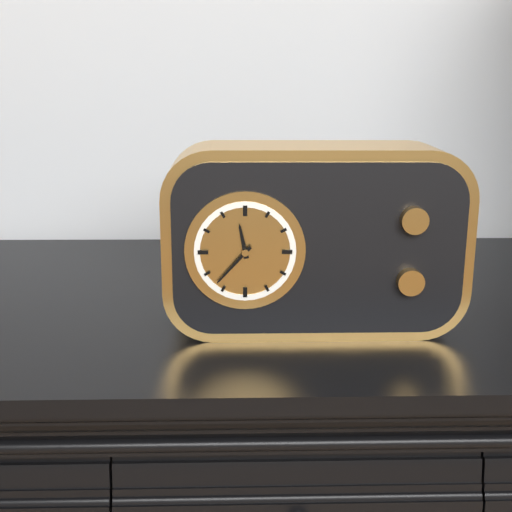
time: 11:37
